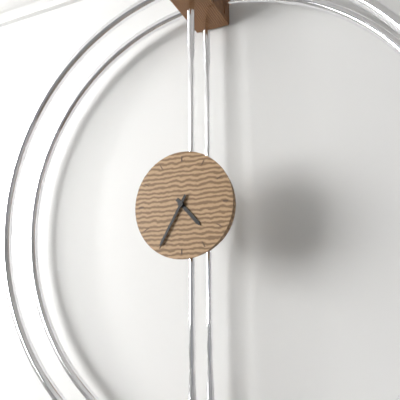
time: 4:35
